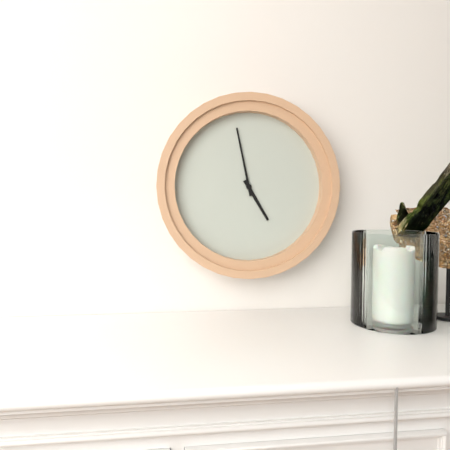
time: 4:58
